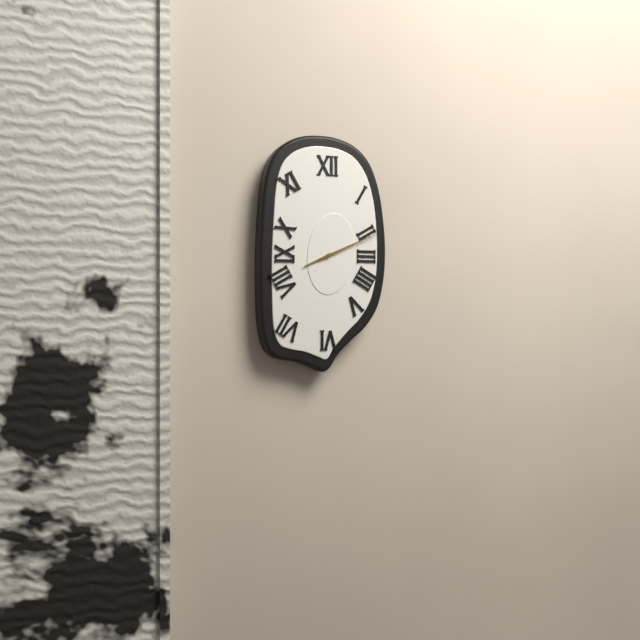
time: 8:11
